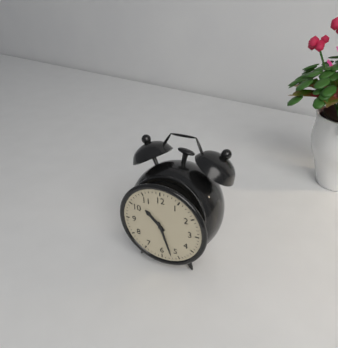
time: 10:27
